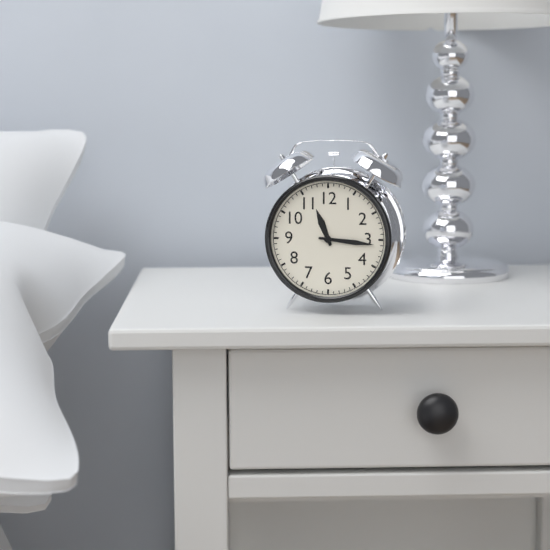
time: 11:16
